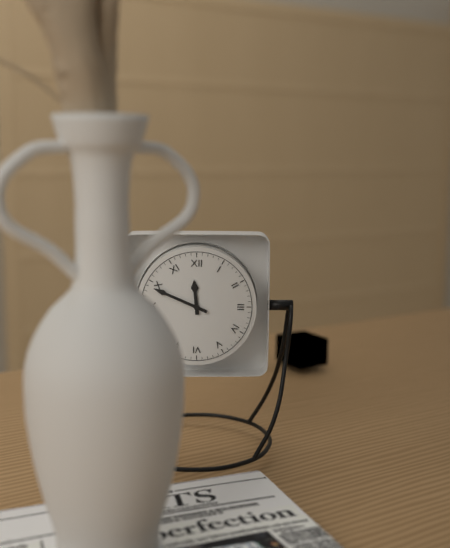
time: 11:49
